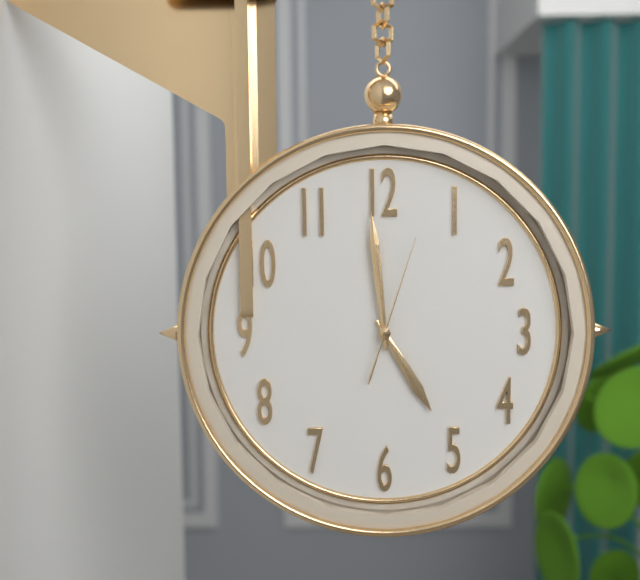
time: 4:59:03
